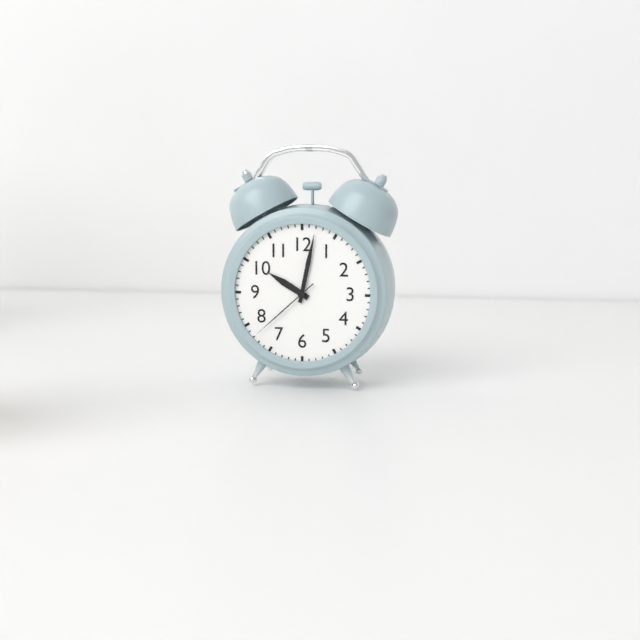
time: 10:02:38
